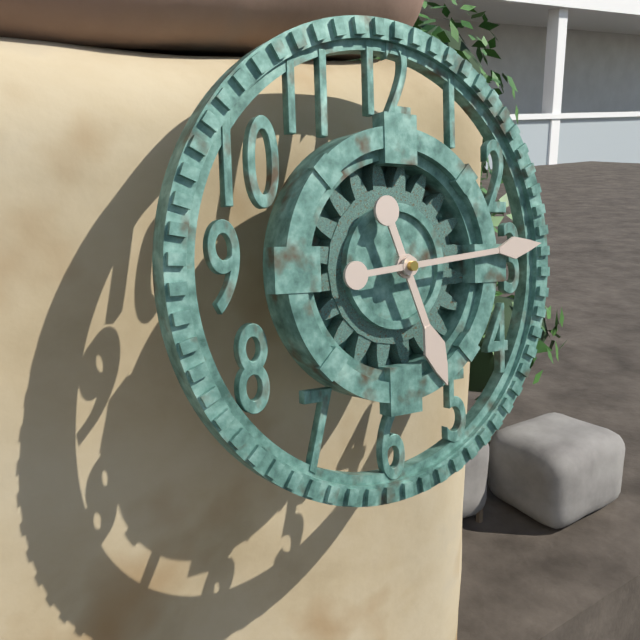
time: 5:14
